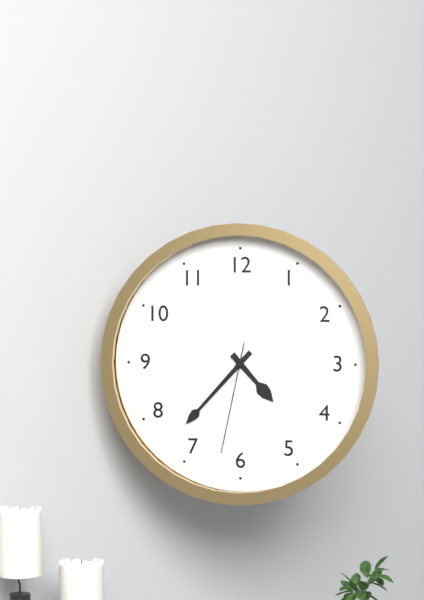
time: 4:37:32
